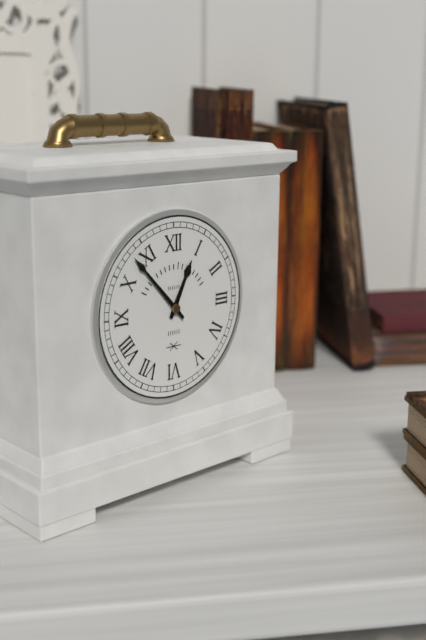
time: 12:53
